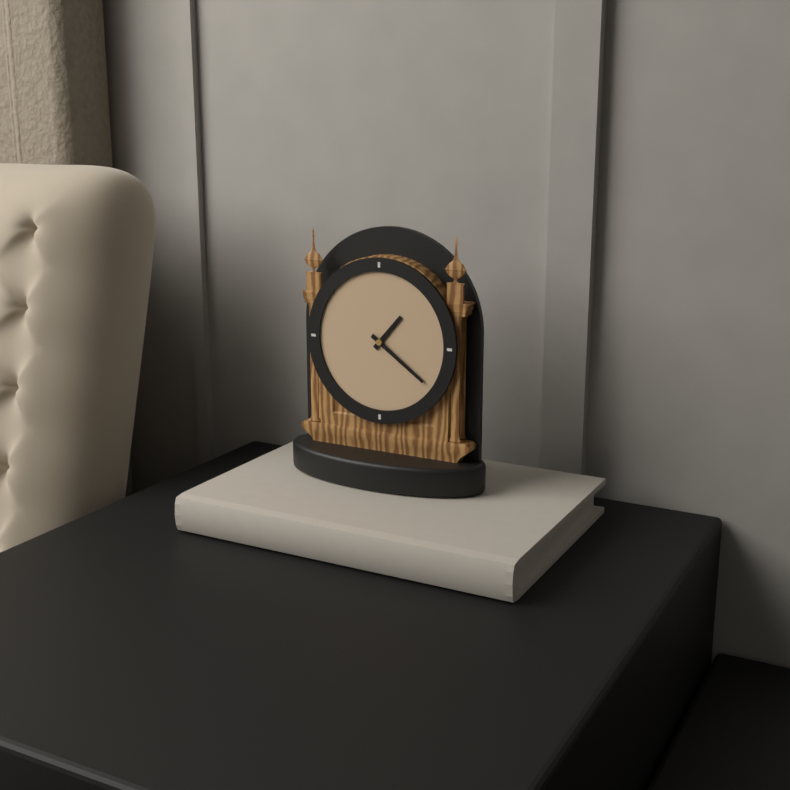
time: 1:21
